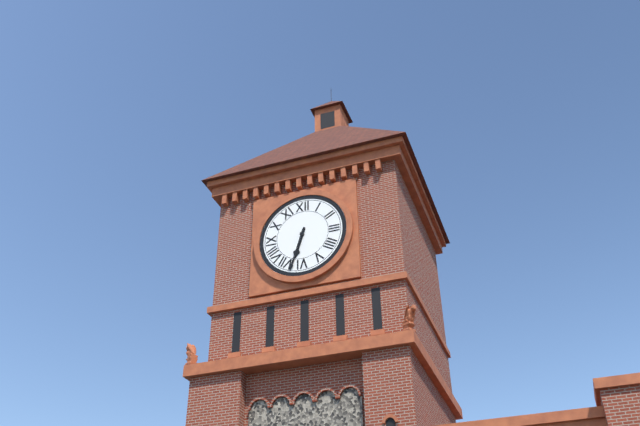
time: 6:33
